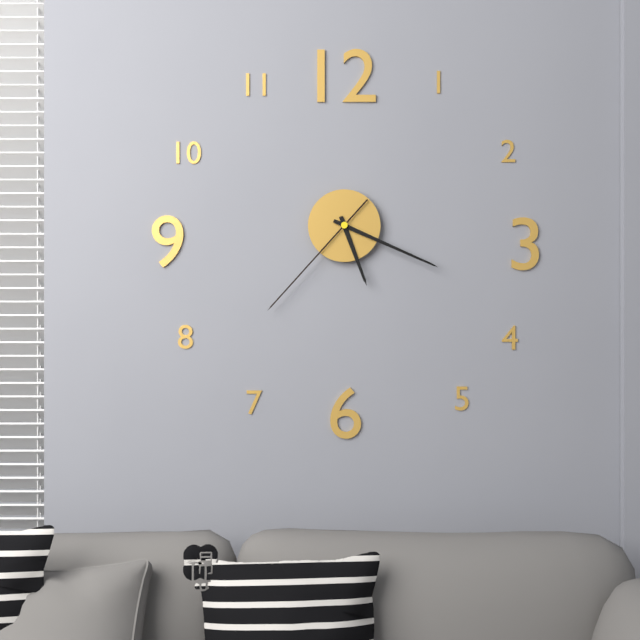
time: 5:19:37
